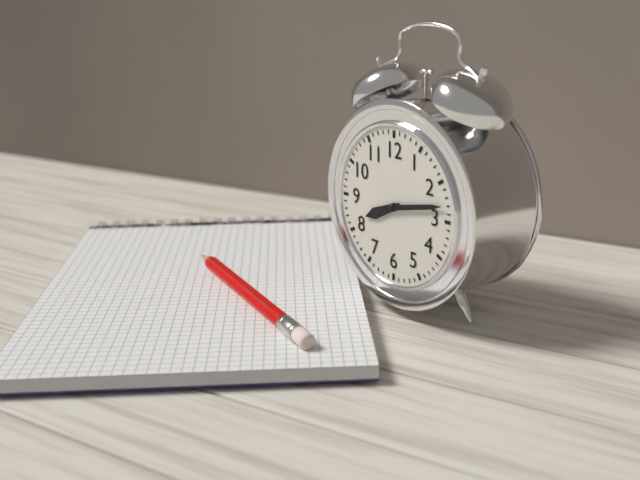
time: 8:13
